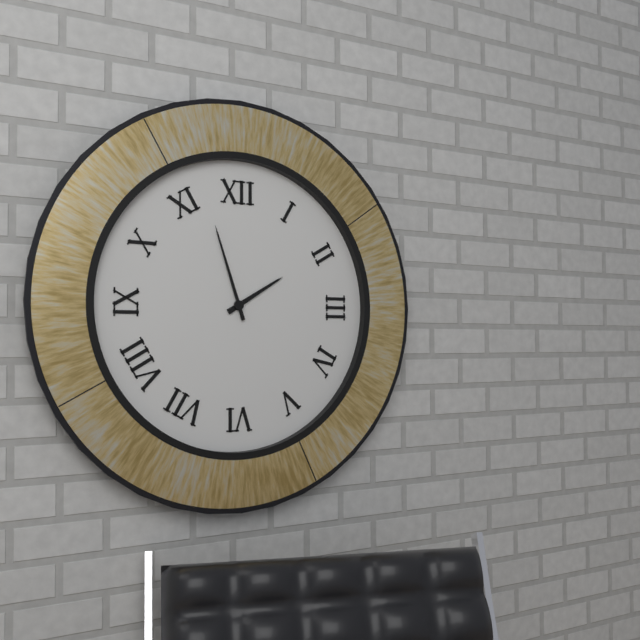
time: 1:57
